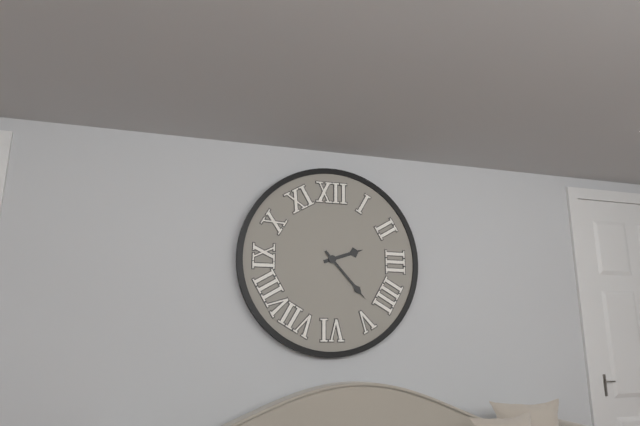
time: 2:23
